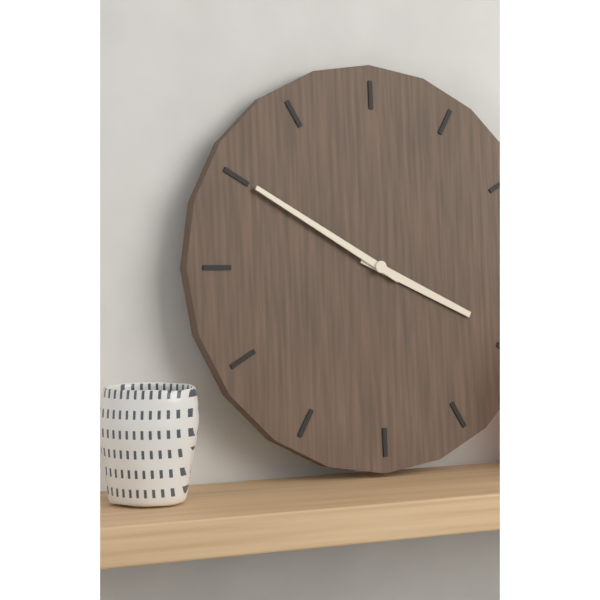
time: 3:50
